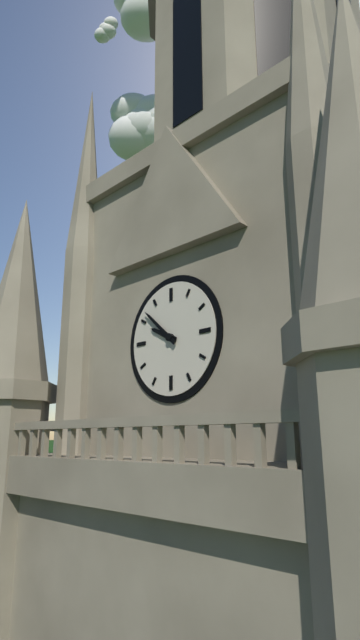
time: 9:52
